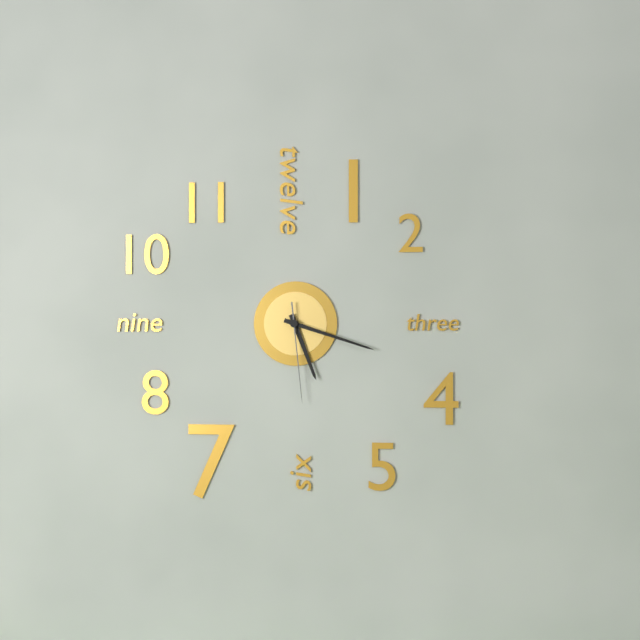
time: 5:18:29
